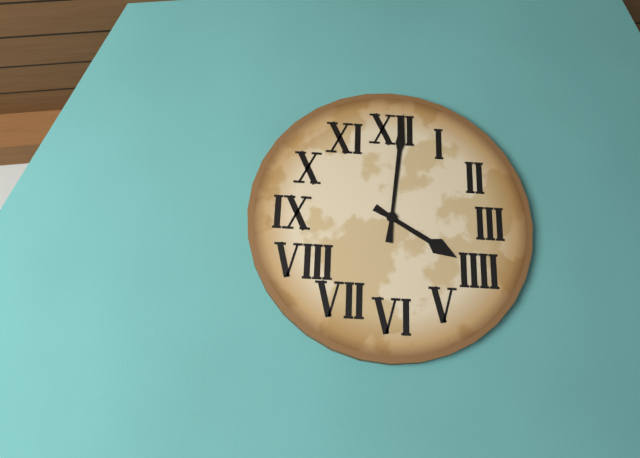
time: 4:01
